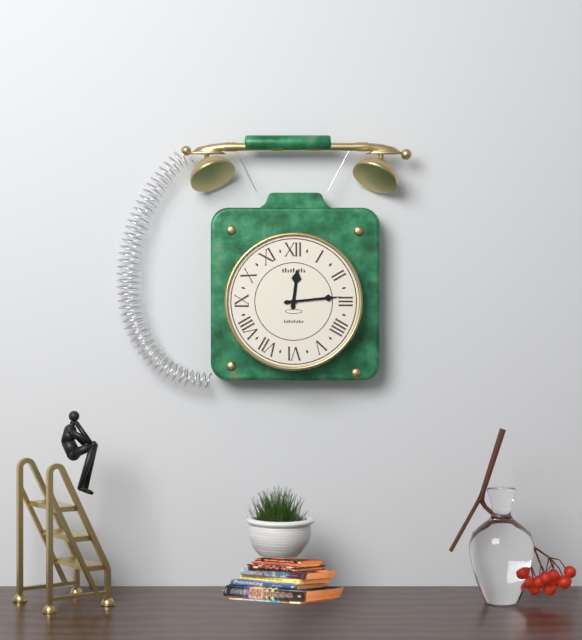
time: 12:14
